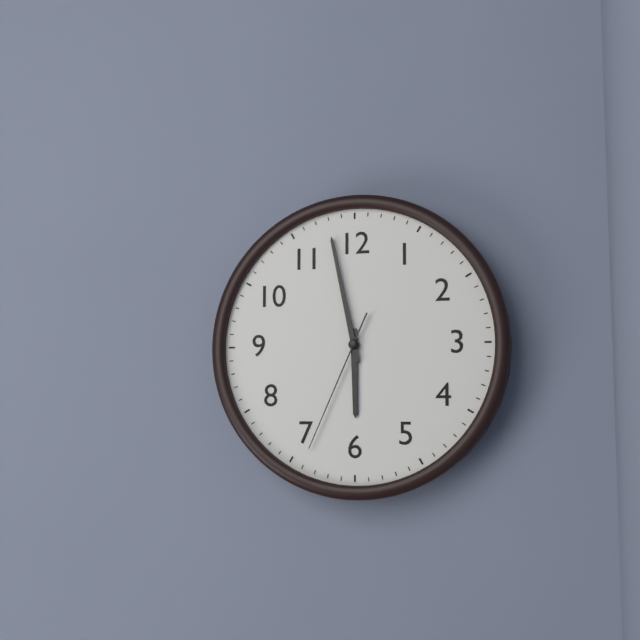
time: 5:58:34
